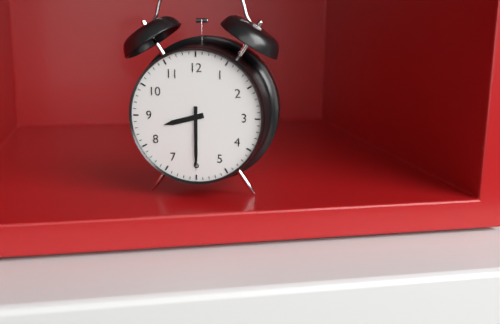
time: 8:30
